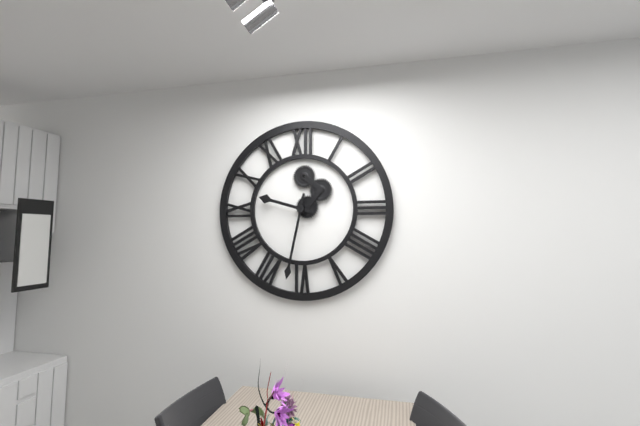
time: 9:32
